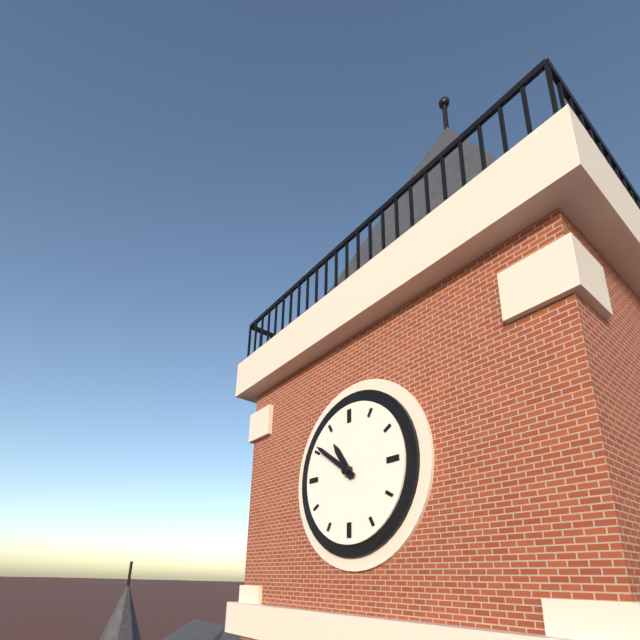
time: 10:51
